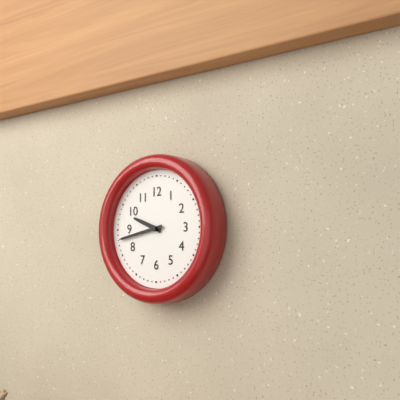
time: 9:43
